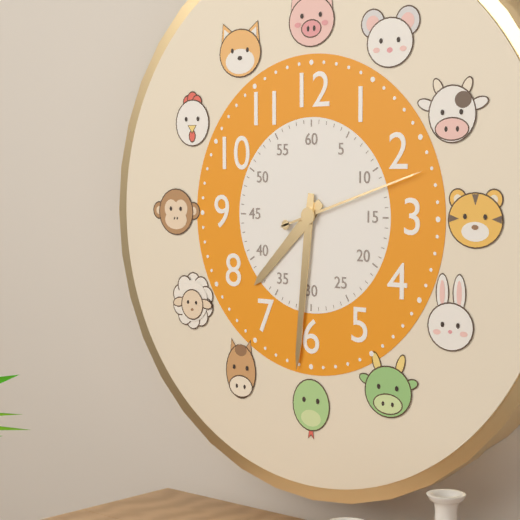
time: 7:31:12
